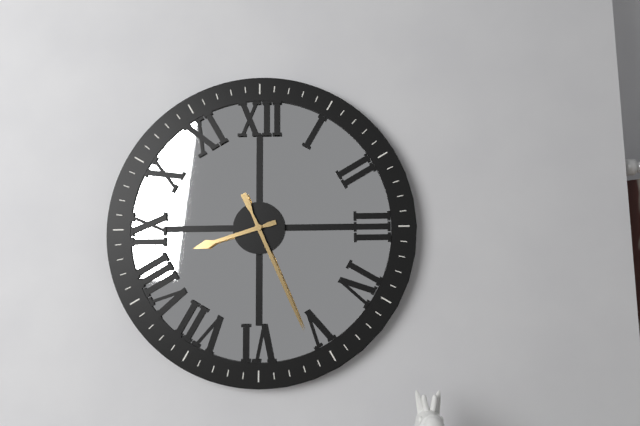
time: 8:26
